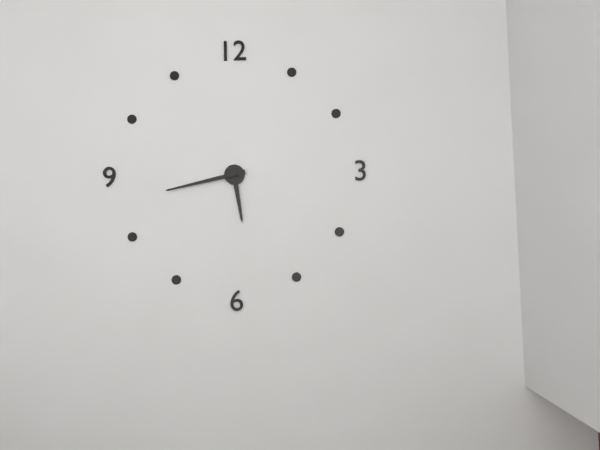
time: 5:43
